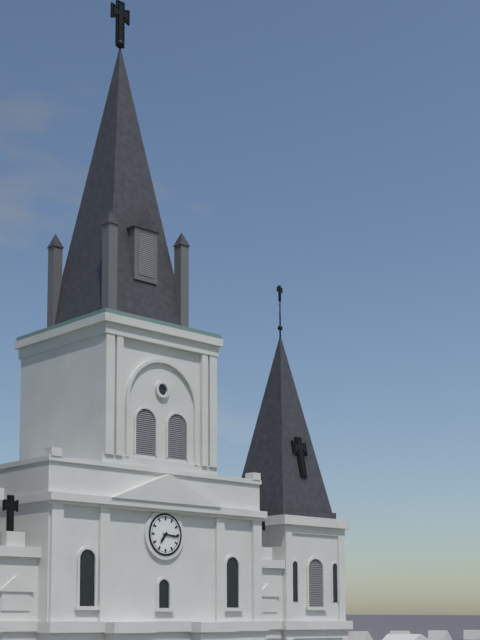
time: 7:16
